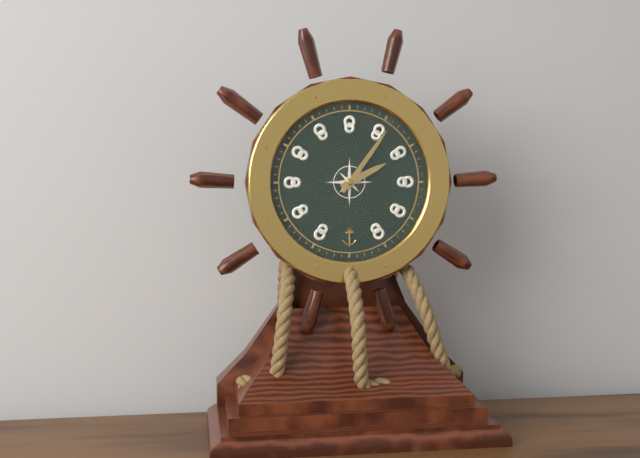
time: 2:06
